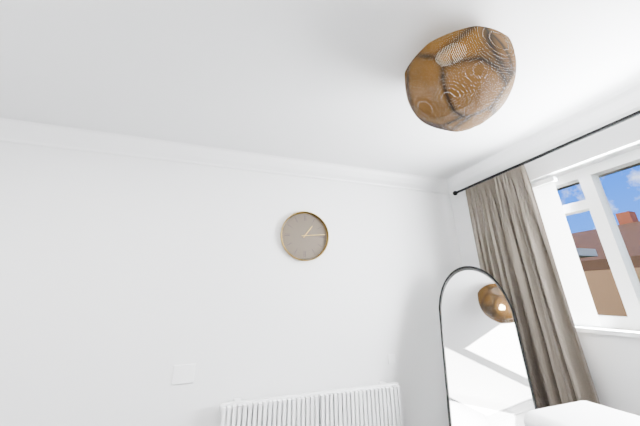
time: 1:14
